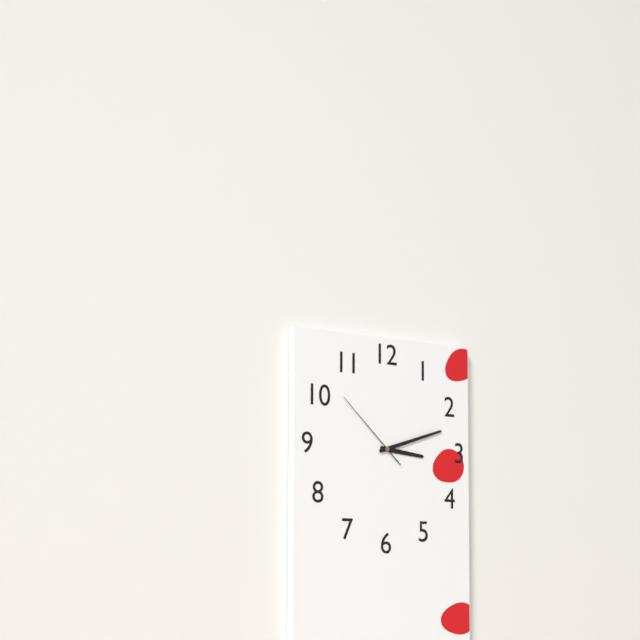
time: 3:12:52
